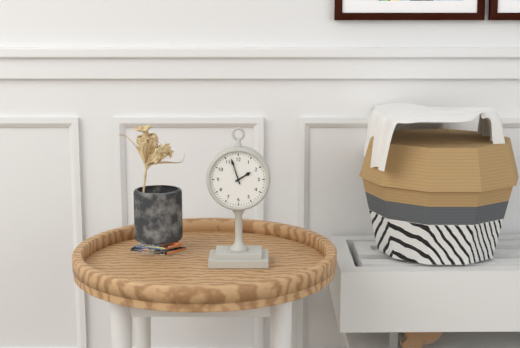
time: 1:57
